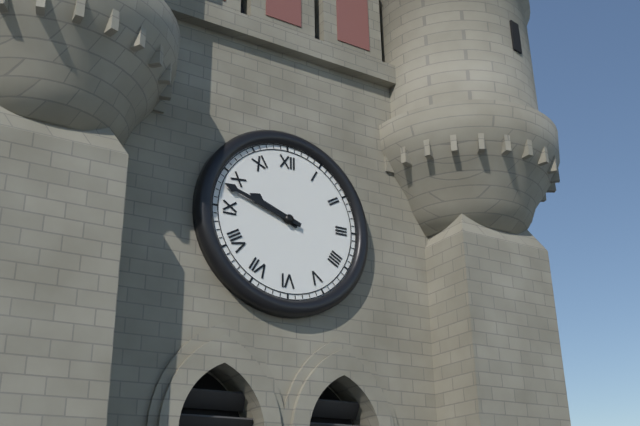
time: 9:48
